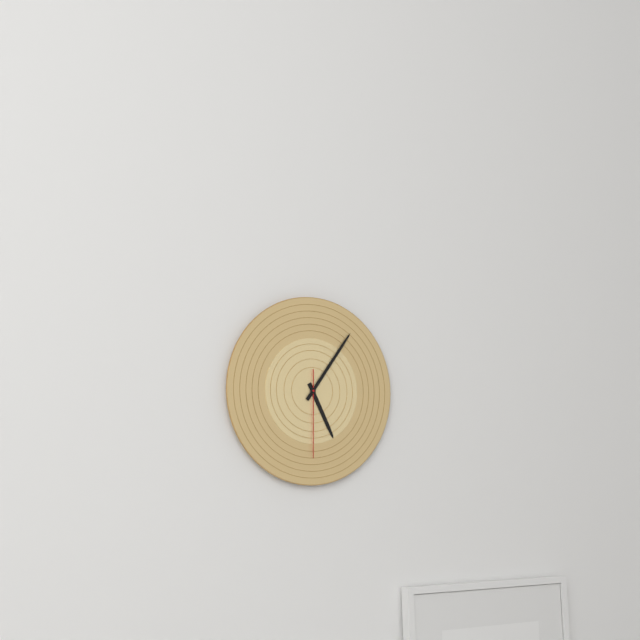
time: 5:06:30
